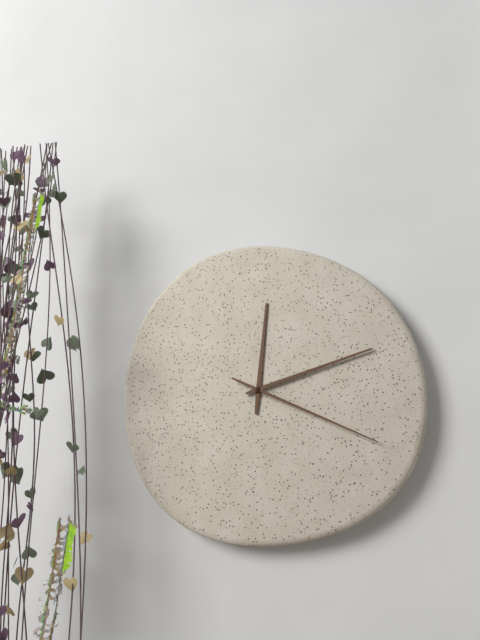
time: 12:12:19
